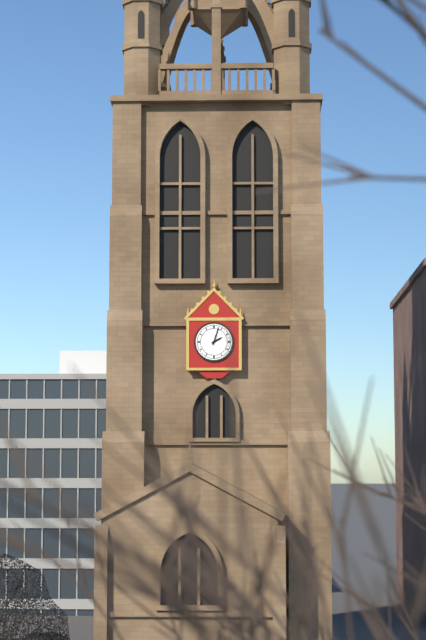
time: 2:03
